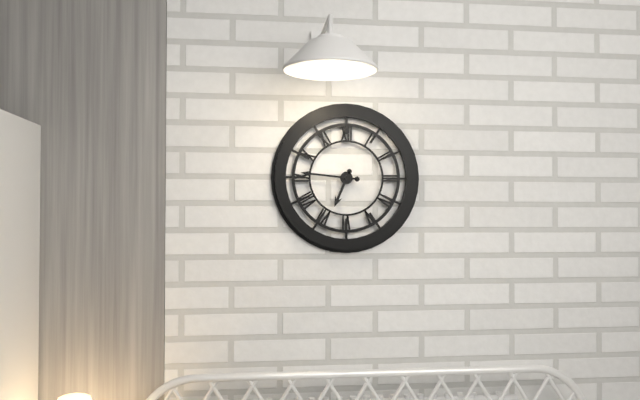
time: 6:46
